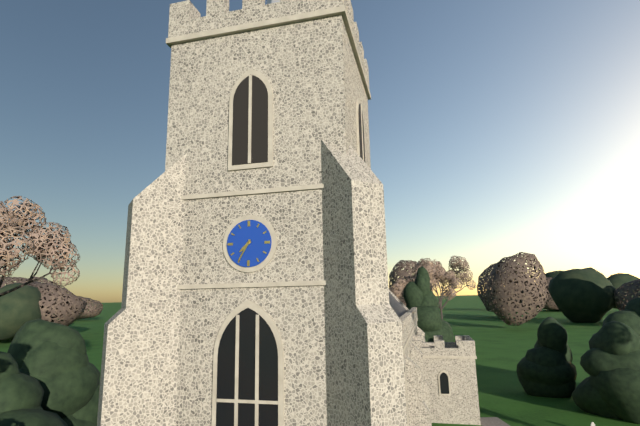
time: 7:35
